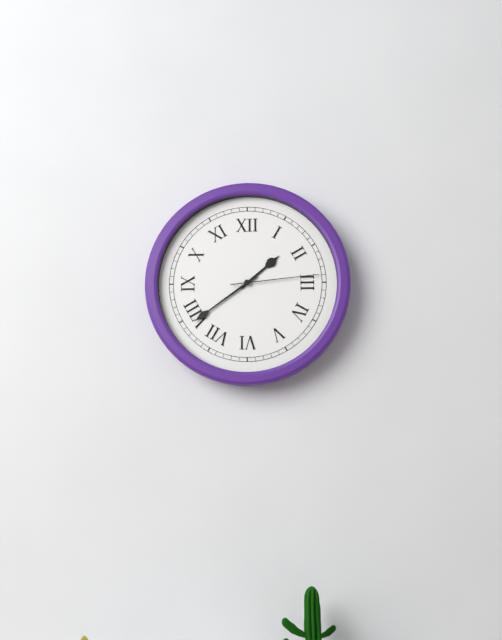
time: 1:39:14
